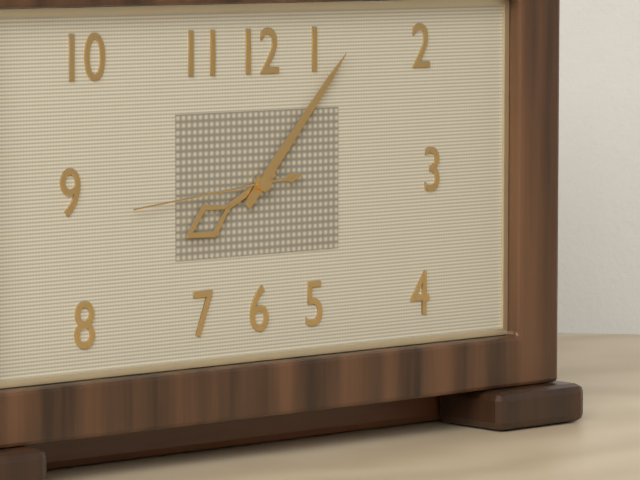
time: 8:07:44
